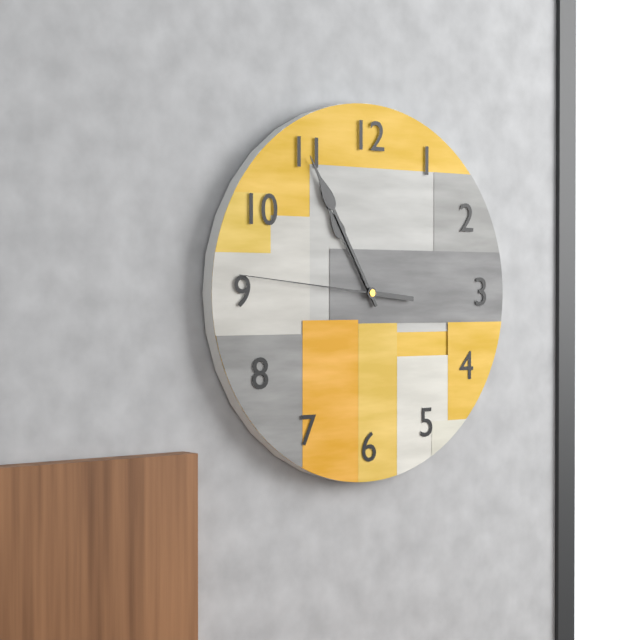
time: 10:55:46
